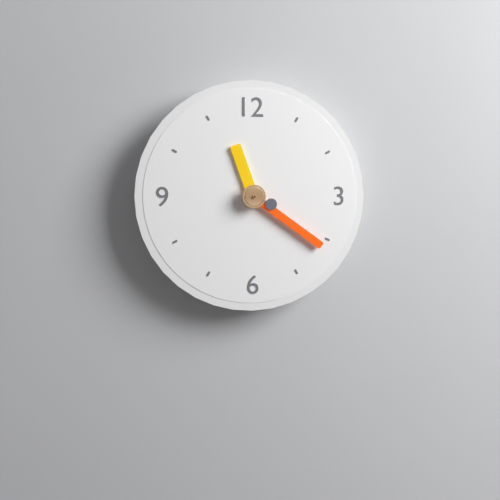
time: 11:21
